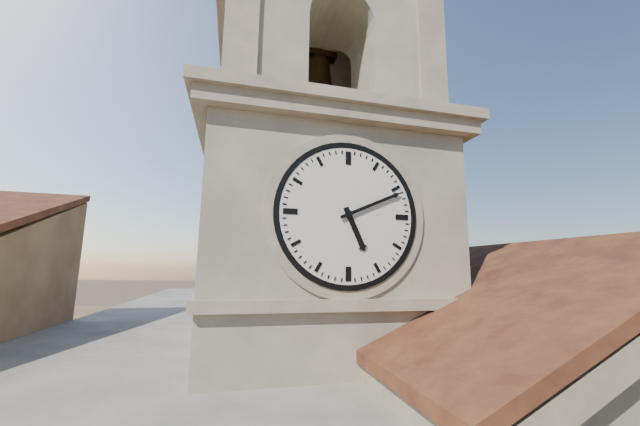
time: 5:11
